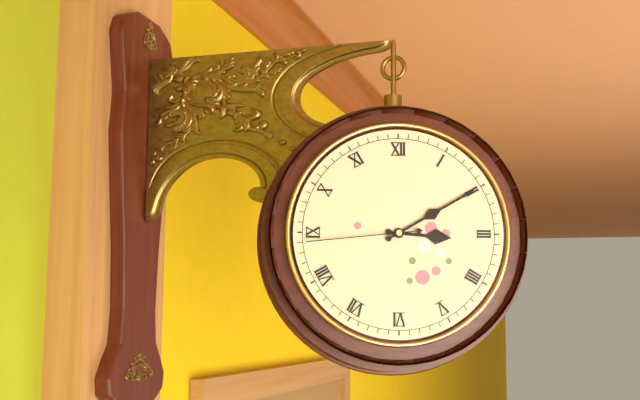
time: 3:10:44
